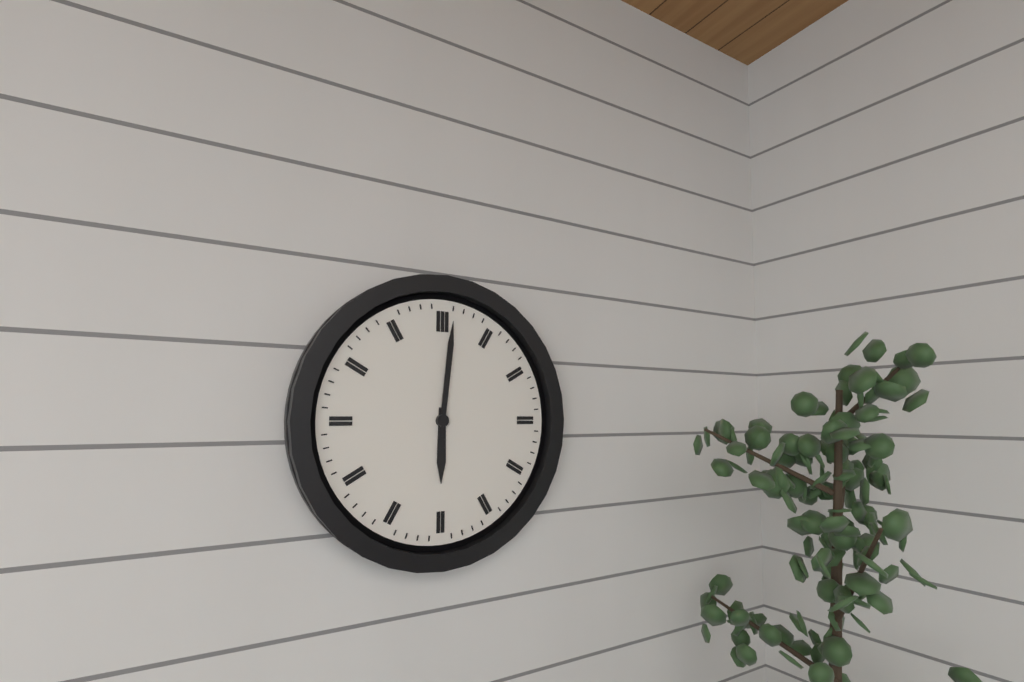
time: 6:01
